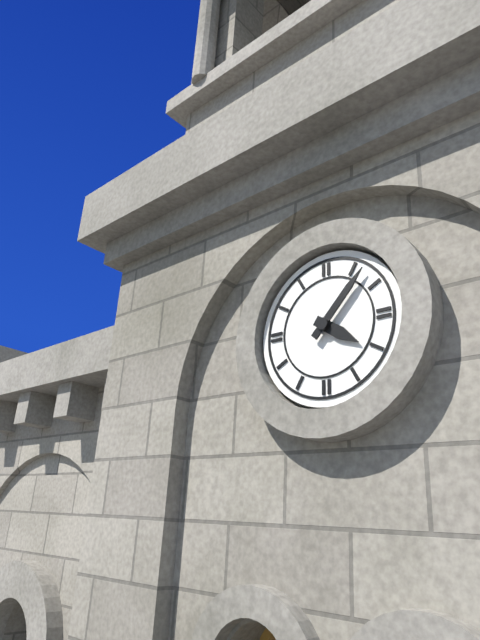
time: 4:07
